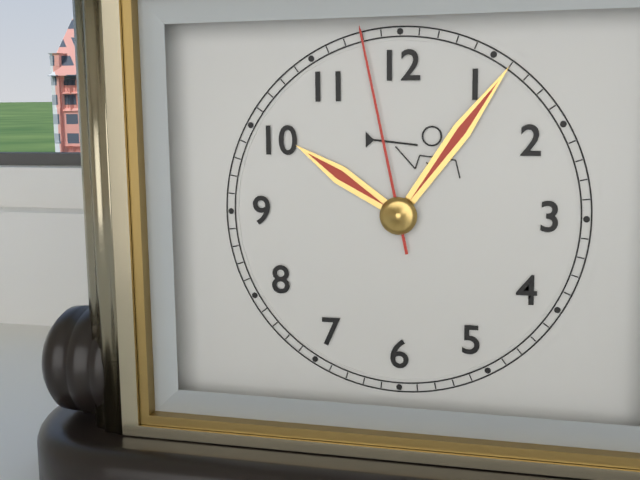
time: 10:06:58
